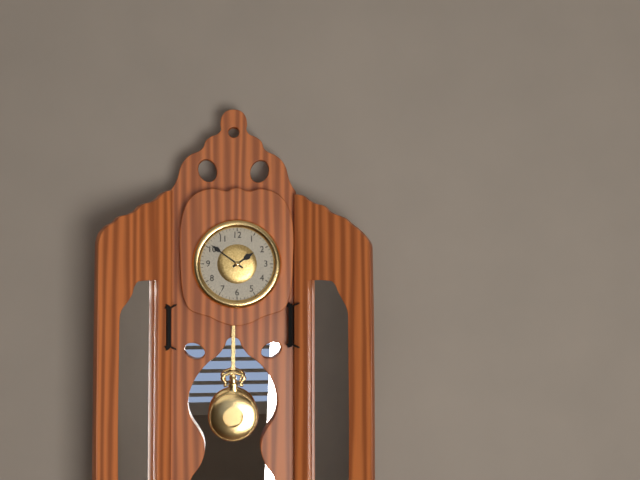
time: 1:51
